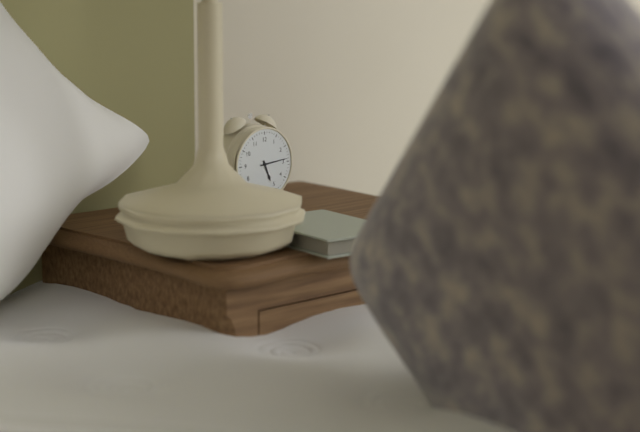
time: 5:14
